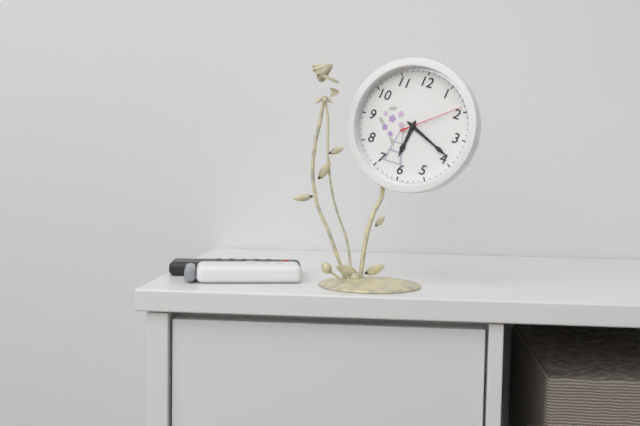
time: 6:19:09
